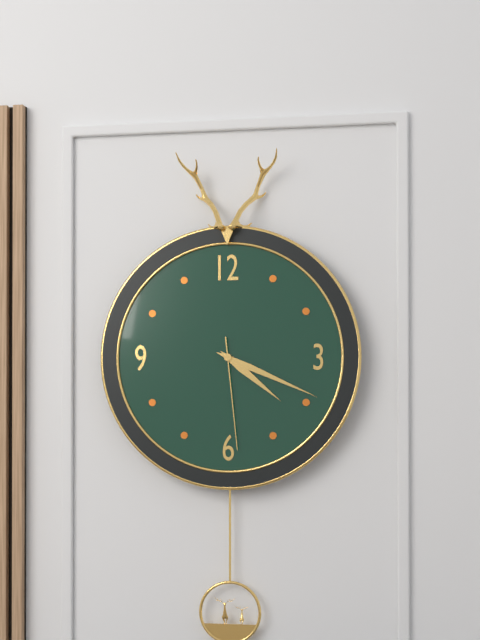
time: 4:19:29
